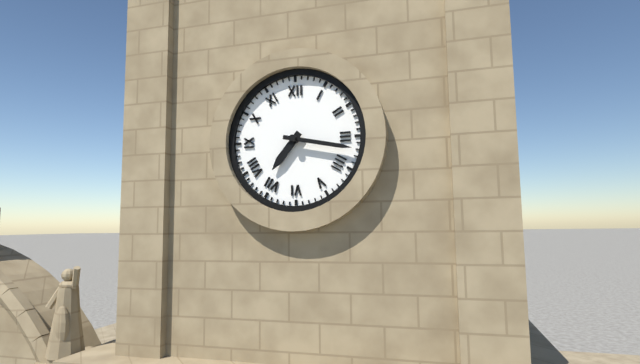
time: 7:17
